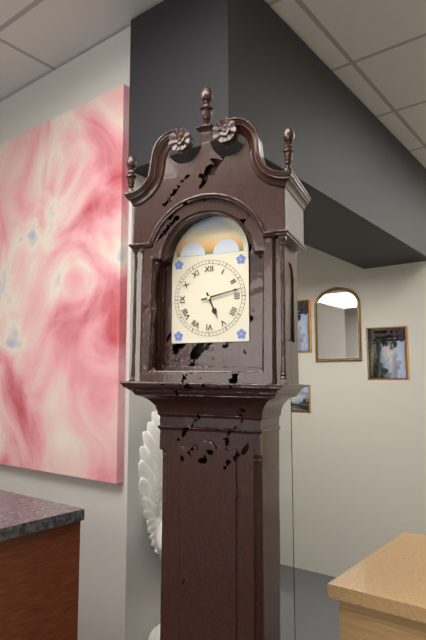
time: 5:13
